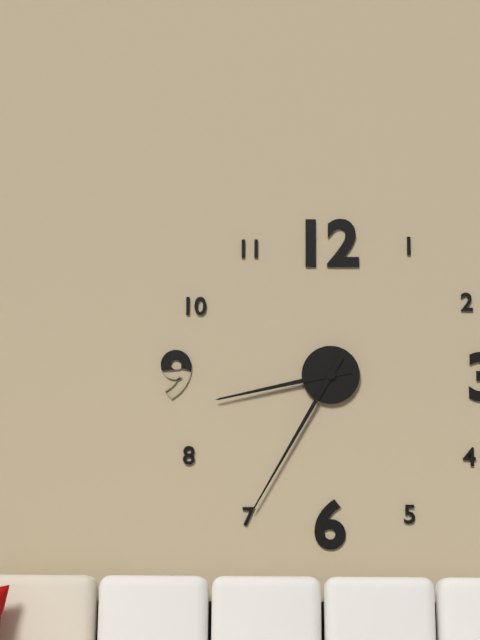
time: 8:35
